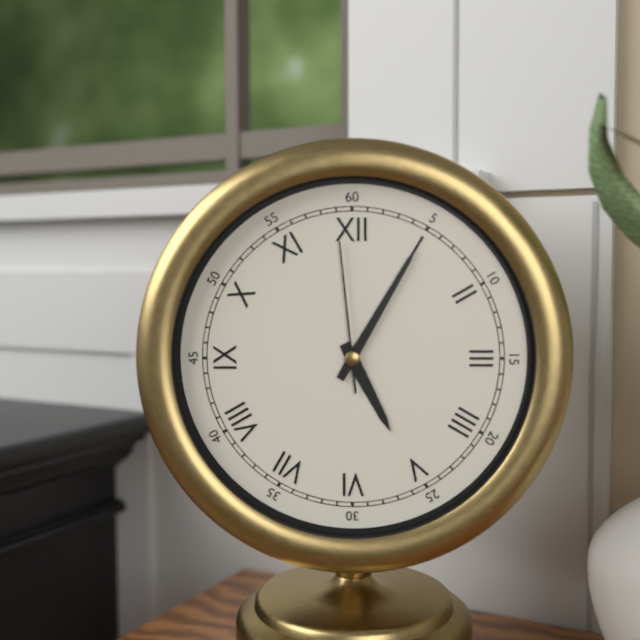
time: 5:05:59
